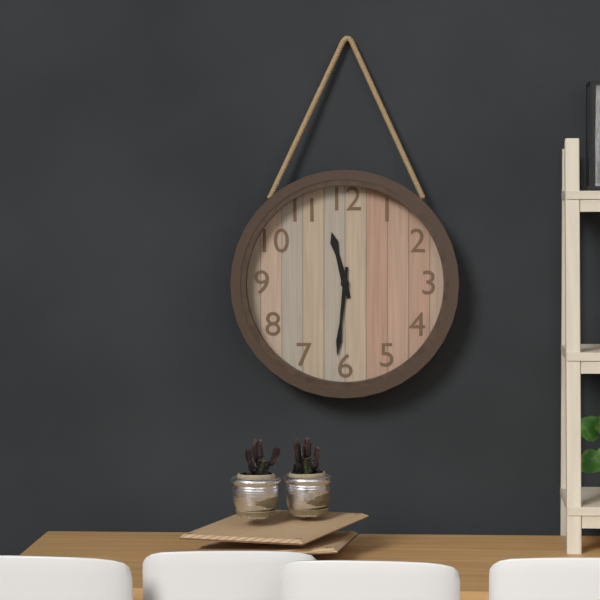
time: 11:31
